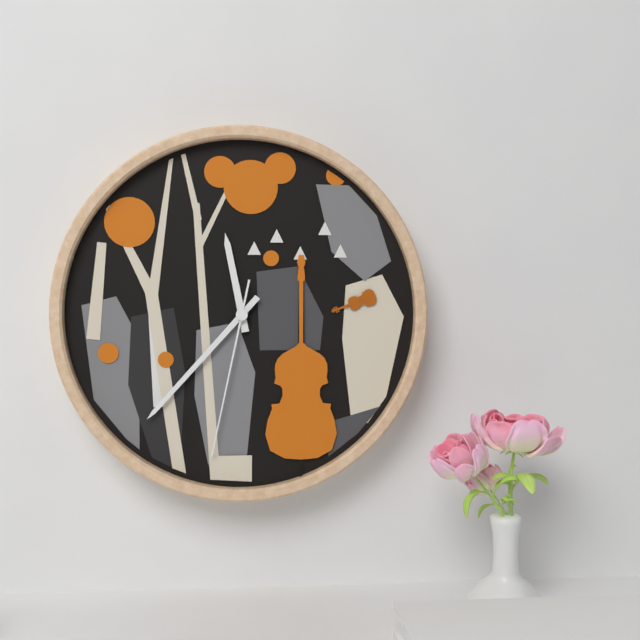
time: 11:37:32
